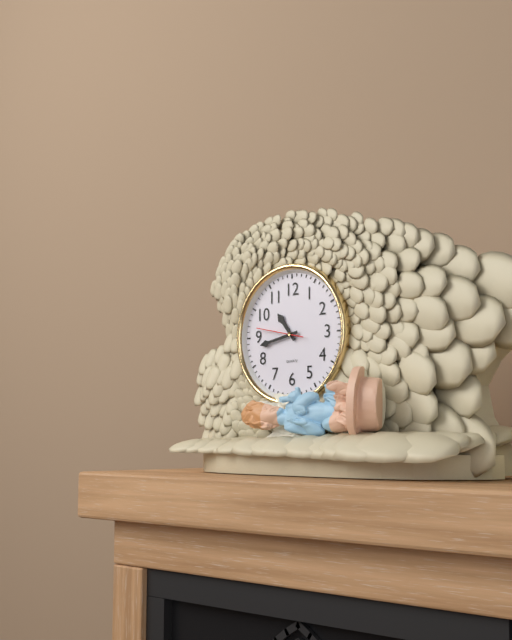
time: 10:43
